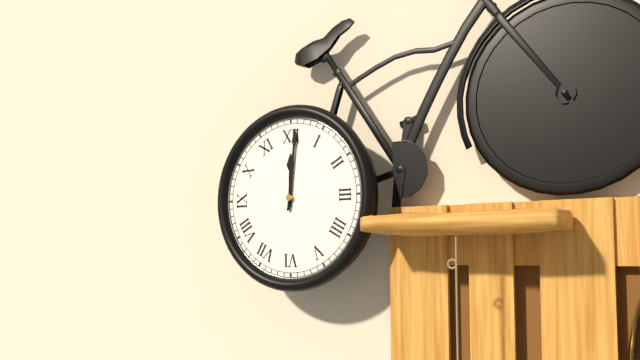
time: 12:01
